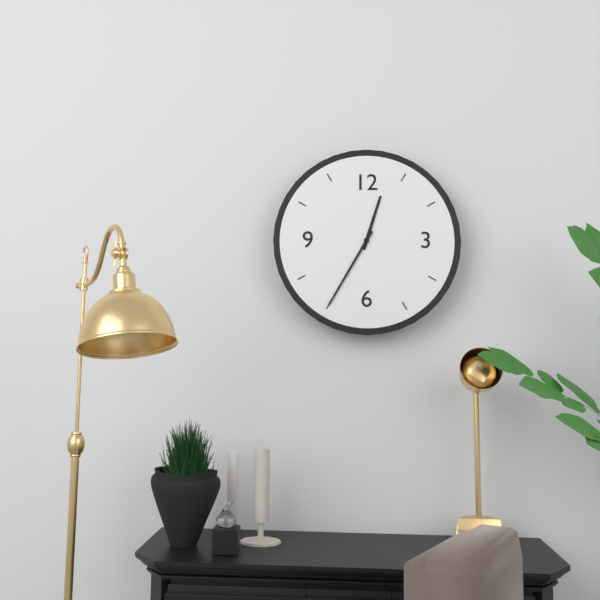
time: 12:35
